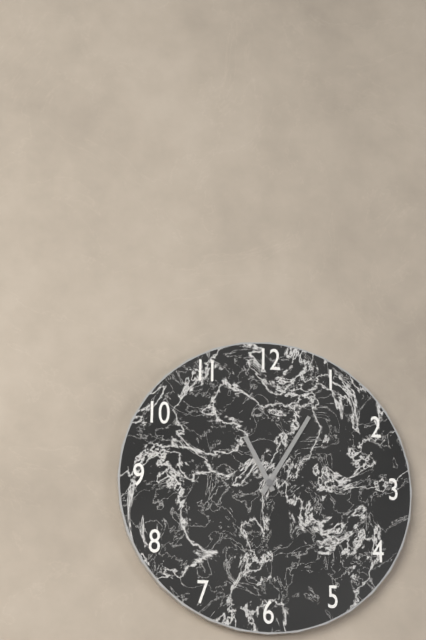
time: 11:05
